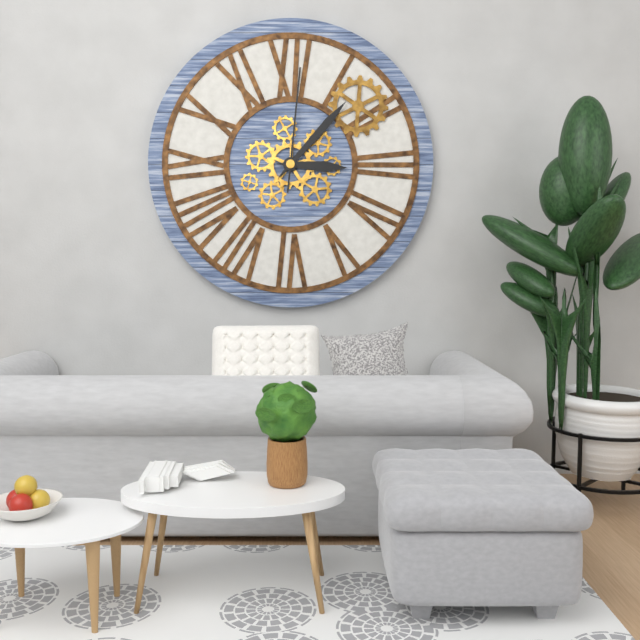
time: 3:07:01
